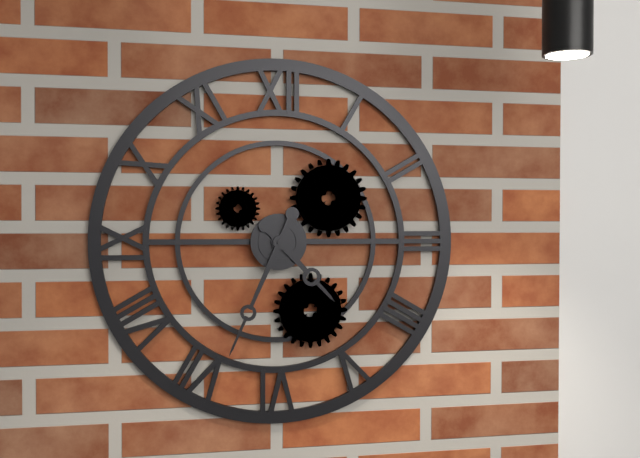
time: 4:34
